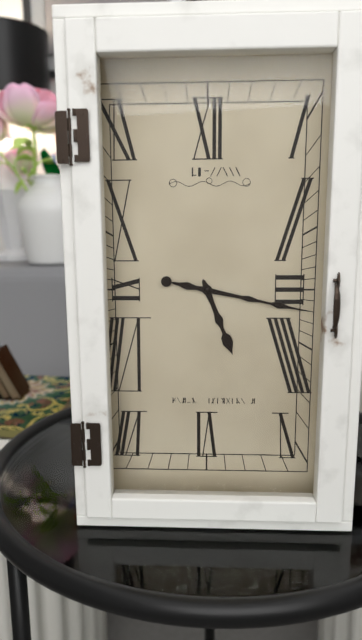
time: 5:17
